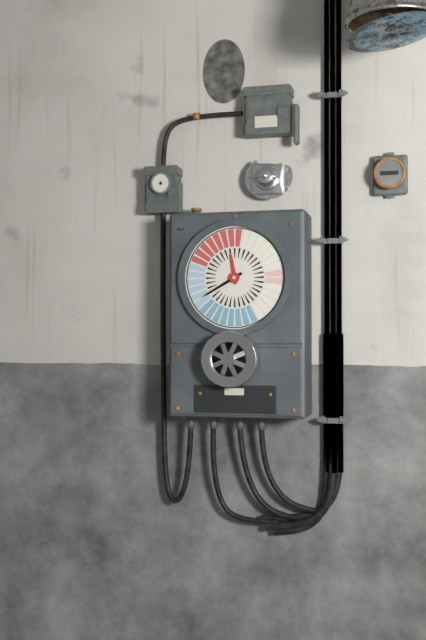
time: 11:40
